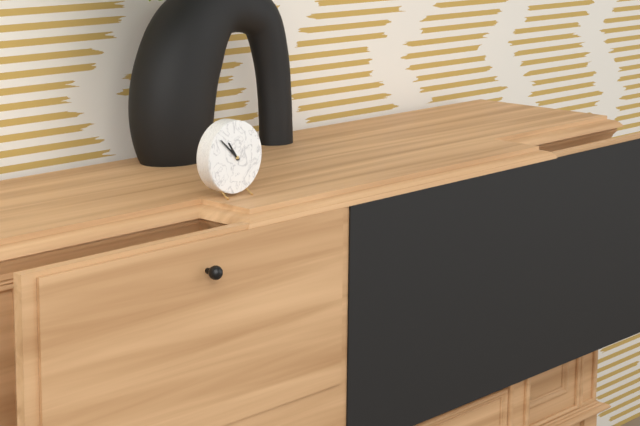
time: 10:52
